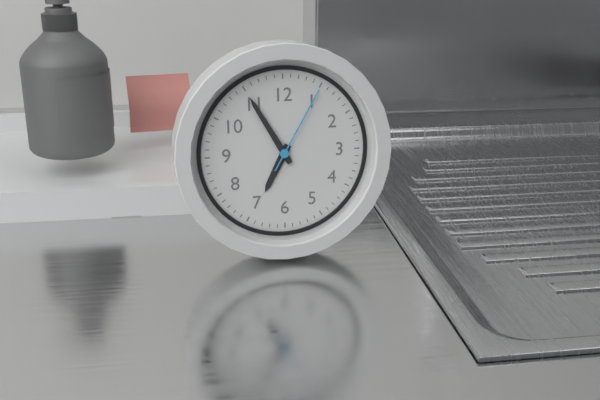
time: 6:55:05
